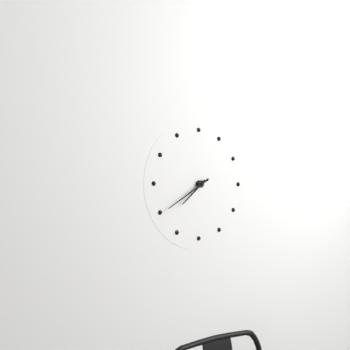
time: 7:40
